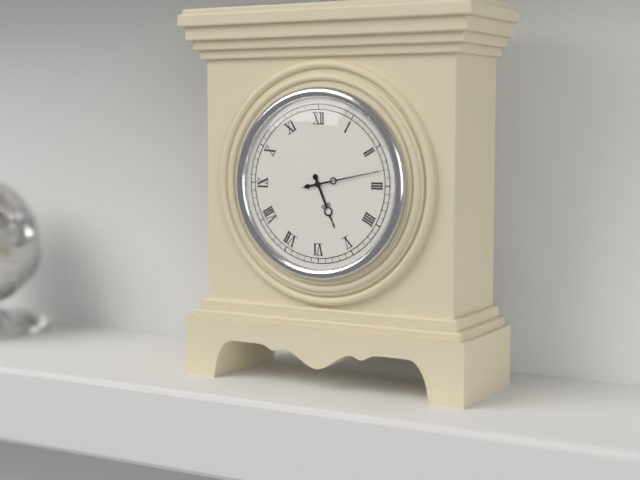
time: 5:13:13
